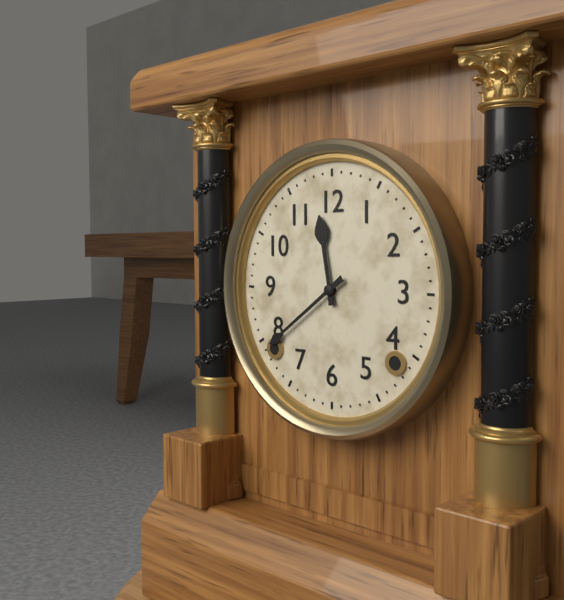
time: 11:39
